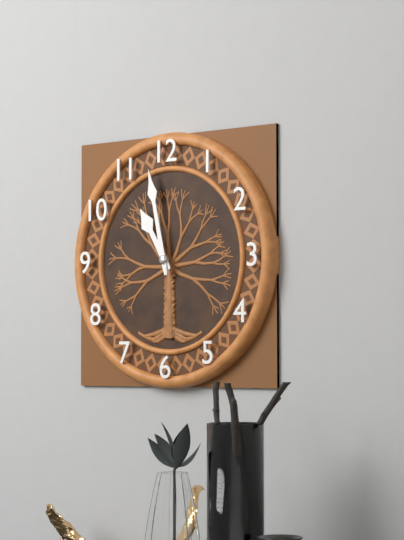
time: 10:58
